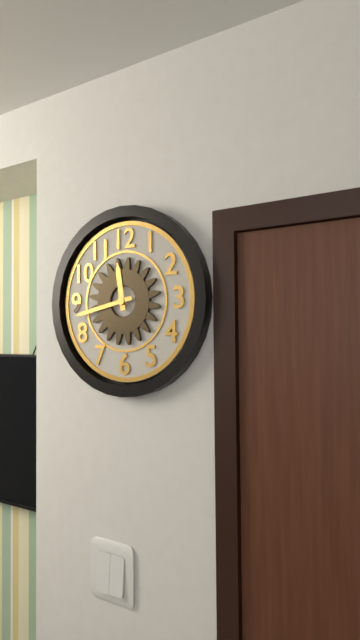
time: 11:43
